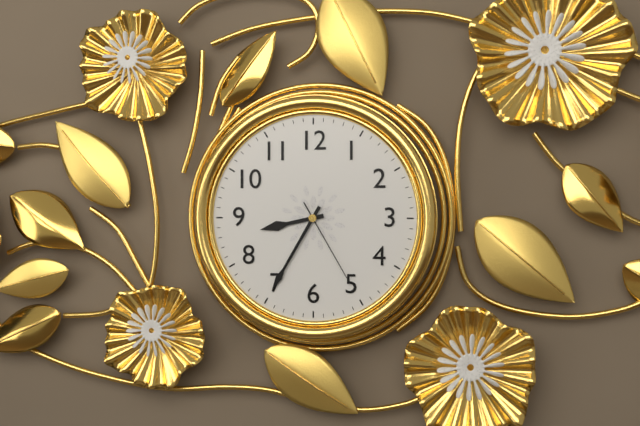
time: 8:35:25
